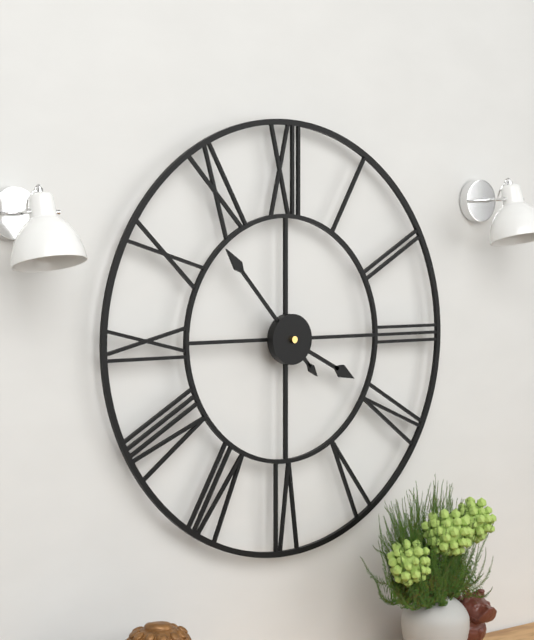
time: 3:53
